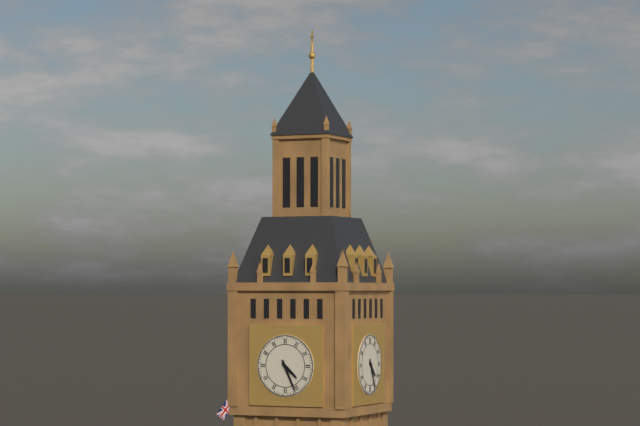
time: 4:26
